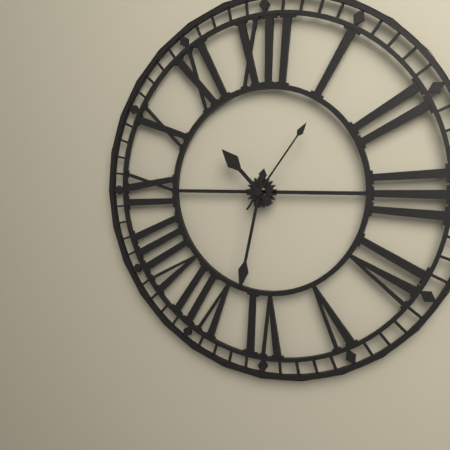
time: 10:32:06
